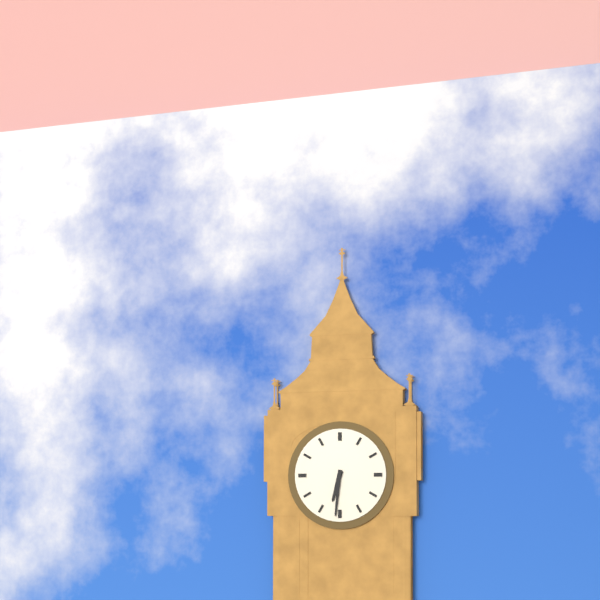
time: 6:31
